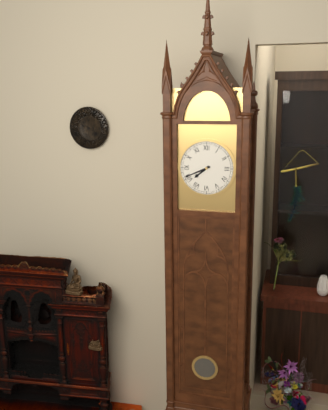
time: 7:41
